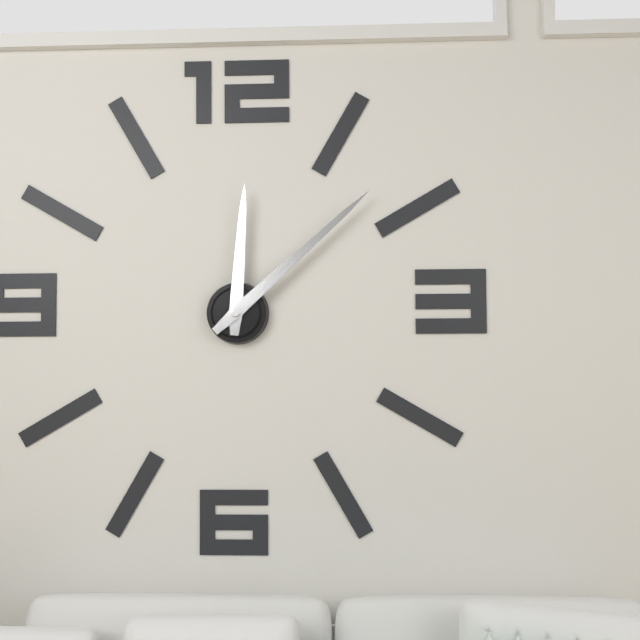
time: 12:08
